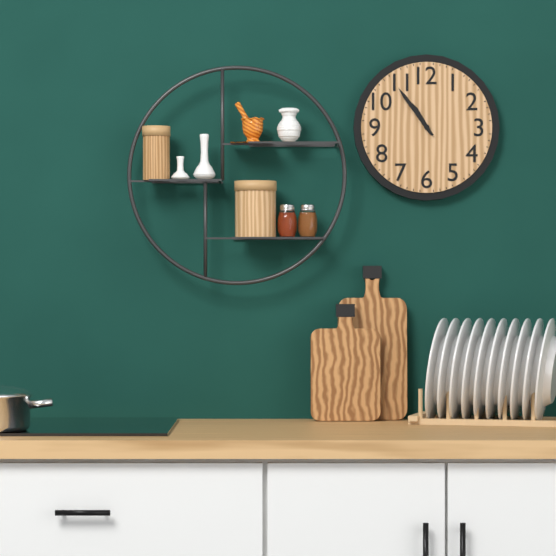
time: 10:54
